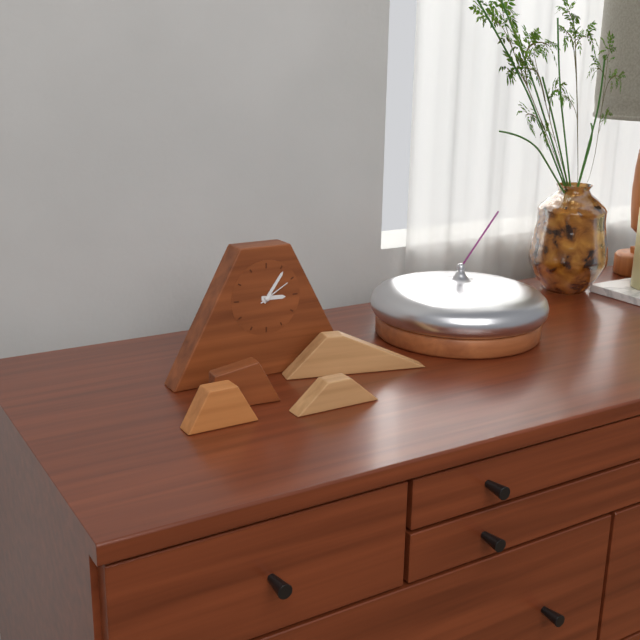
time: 3:06
